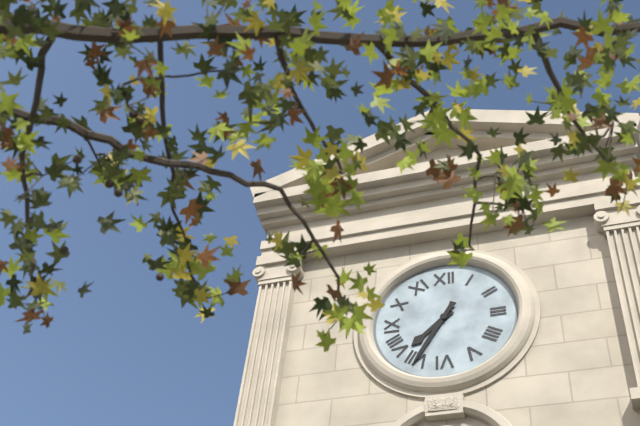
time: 7:35
